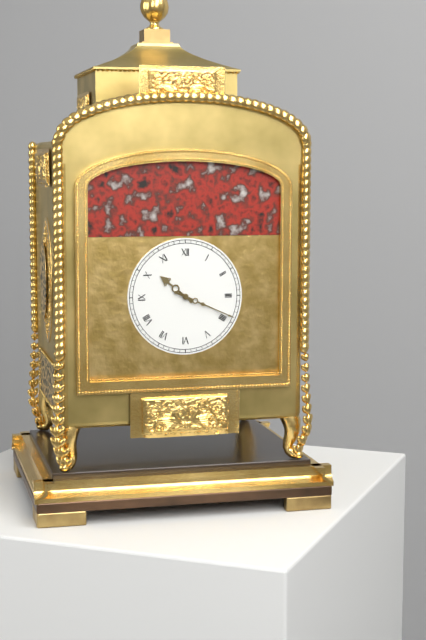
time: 10:19
